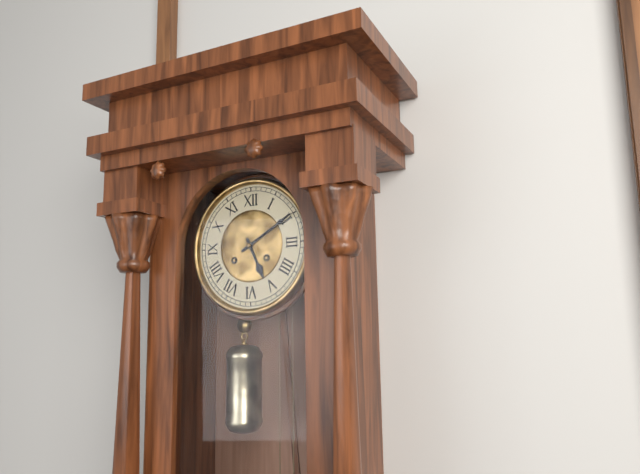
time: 5:10
